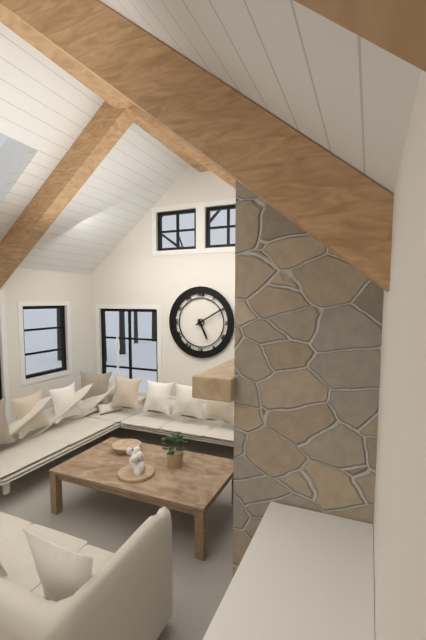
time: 5:10
